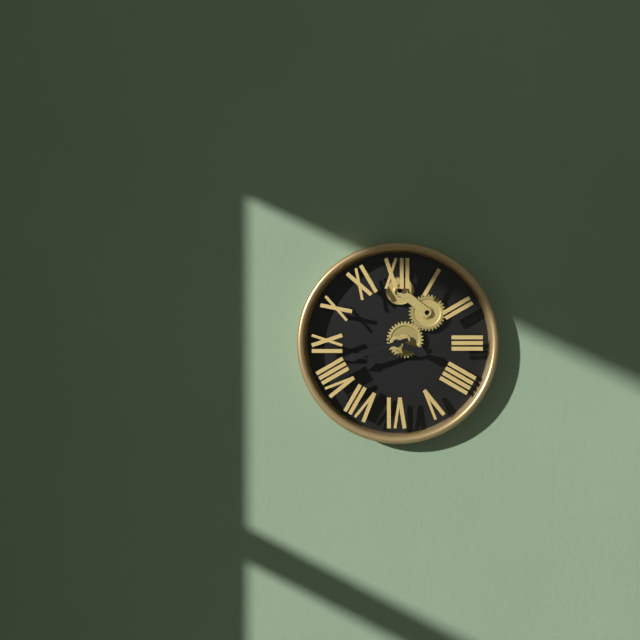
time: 3:42
